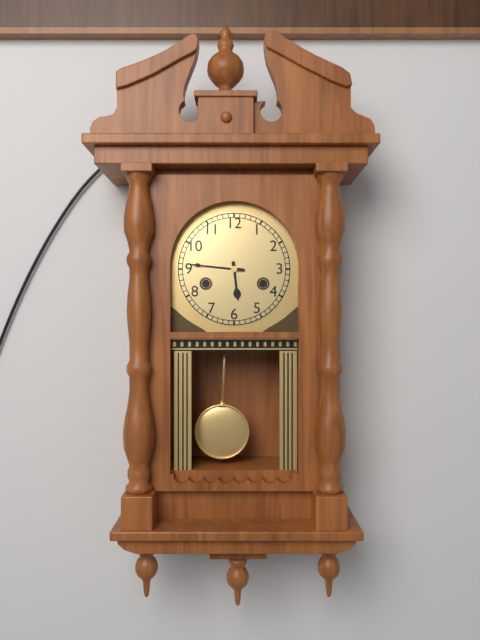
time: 5:46
